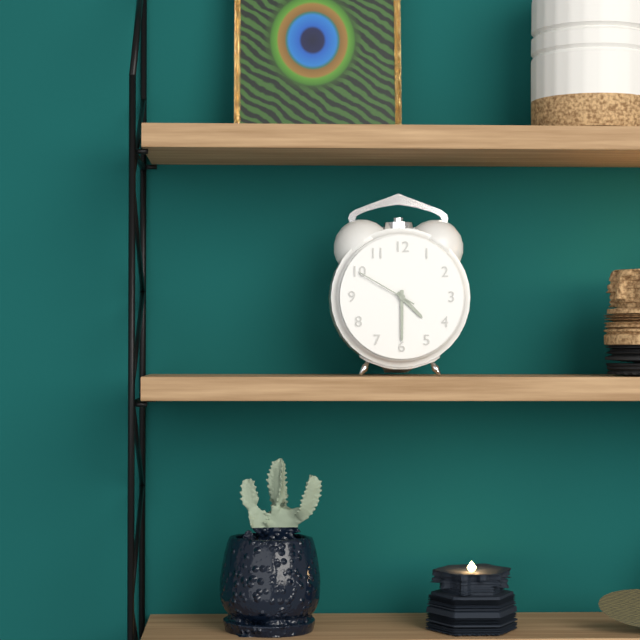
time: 4:30:50
